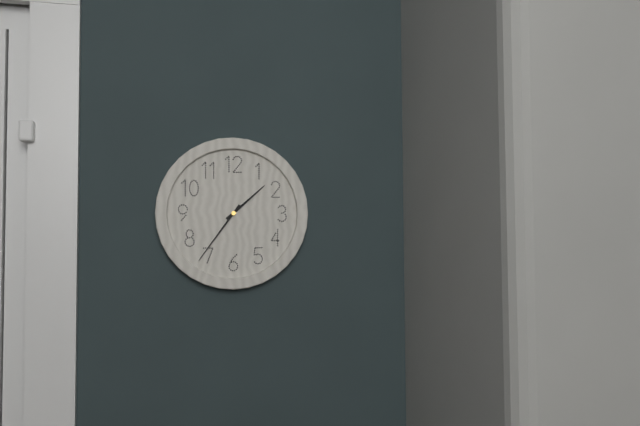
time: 1:36
